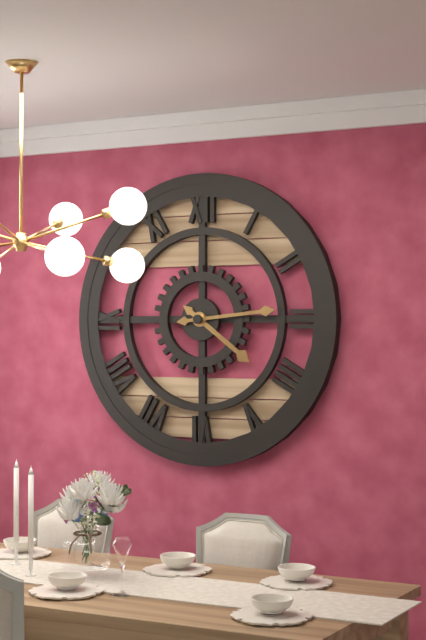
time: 4:14
